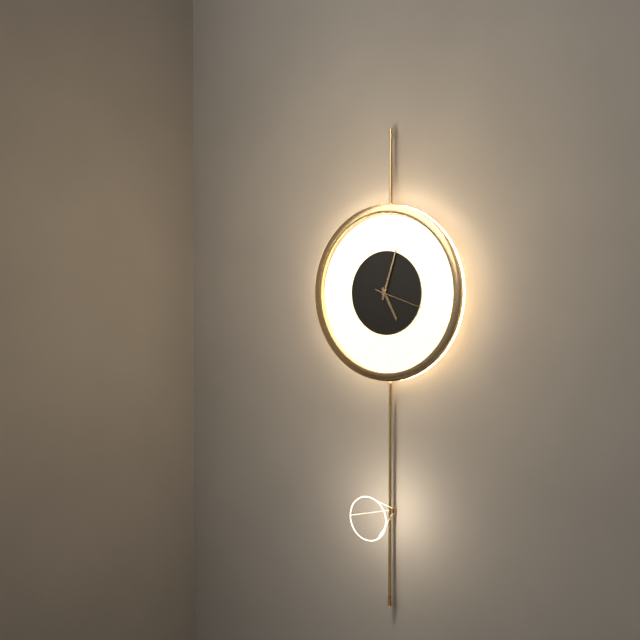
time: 5:03:18
